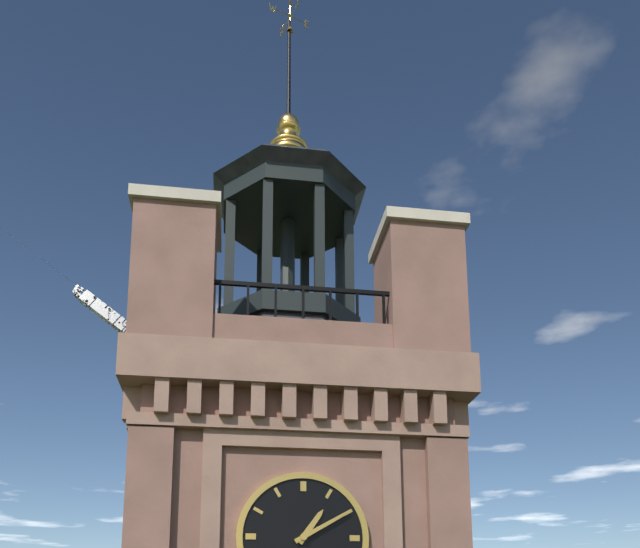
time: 1:10
